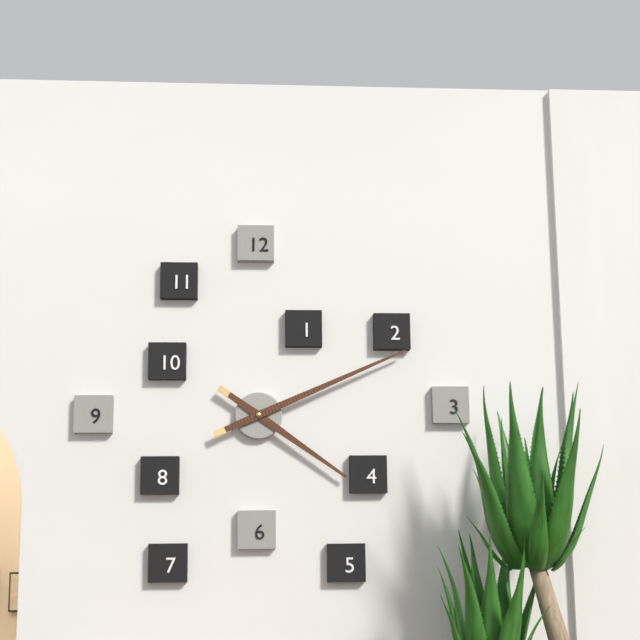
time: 4:11
